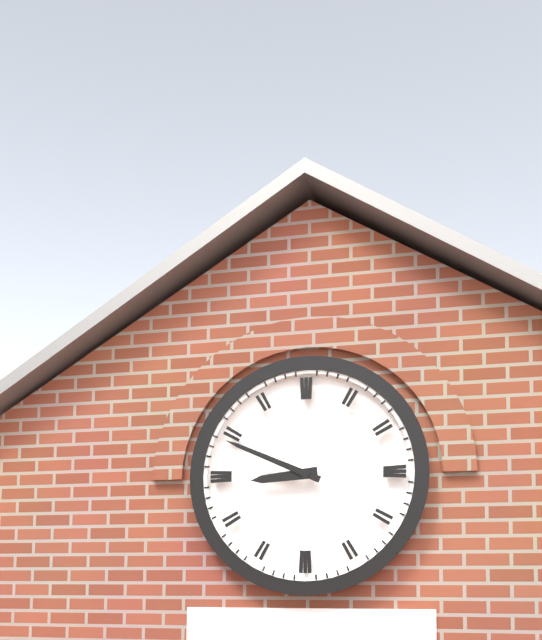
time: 8:49
